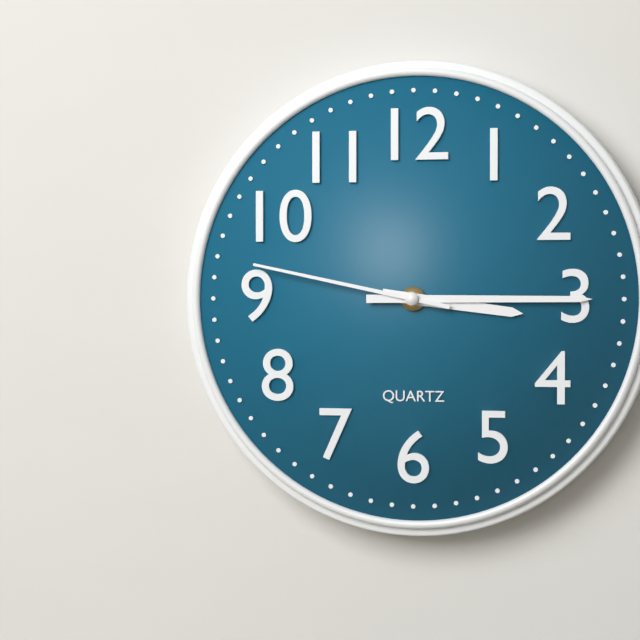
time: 3:15:47
